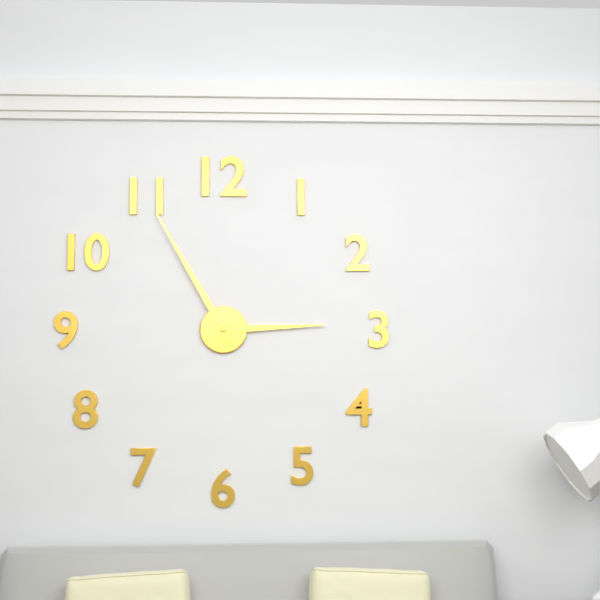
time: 2:55
